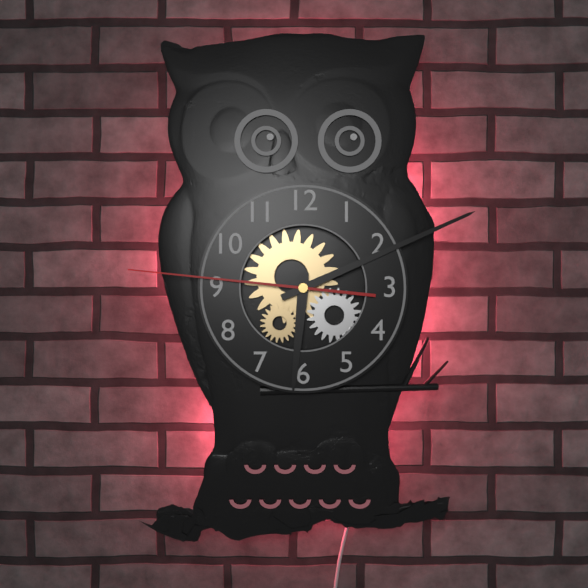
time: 6:11:46
